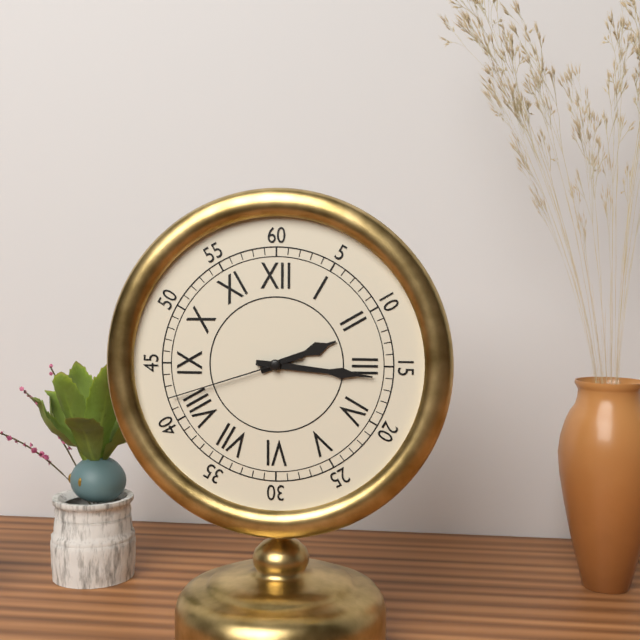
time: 2:16:42
